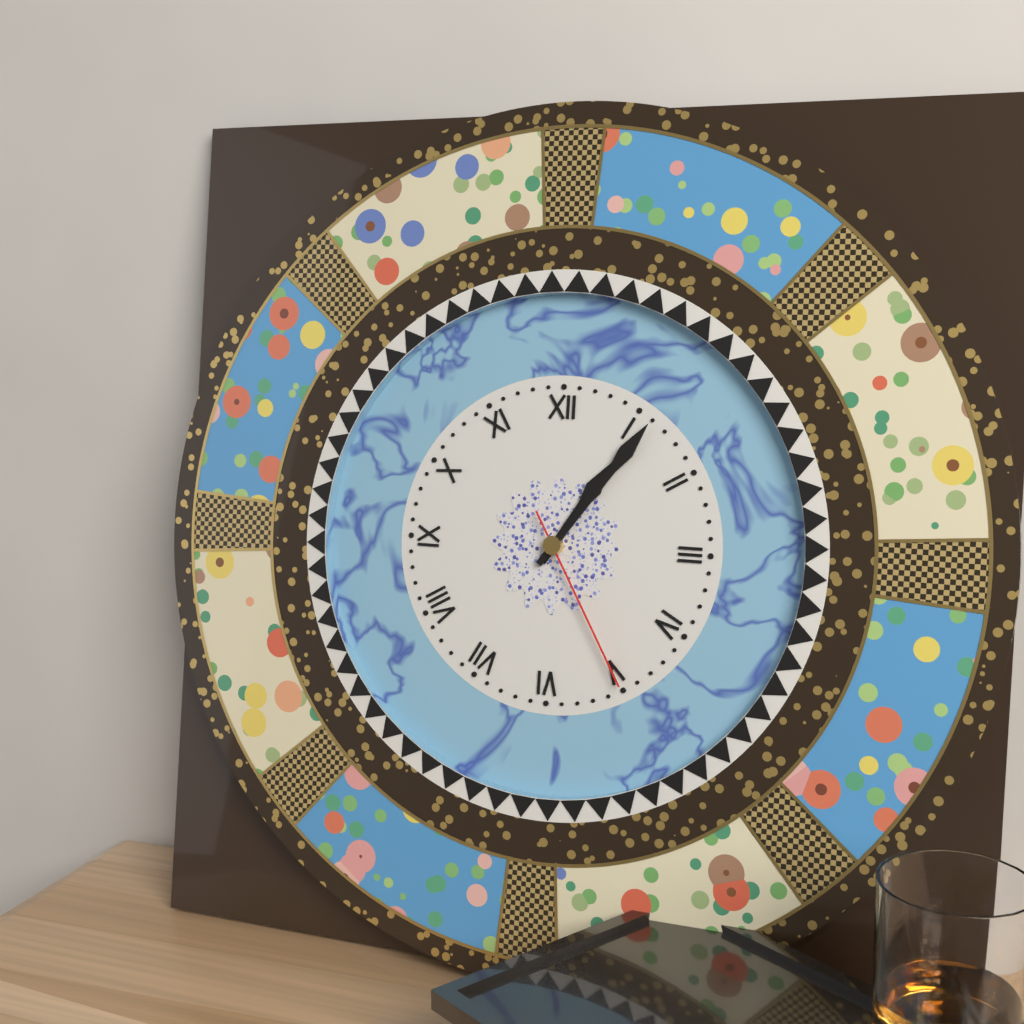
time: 1:06:25
